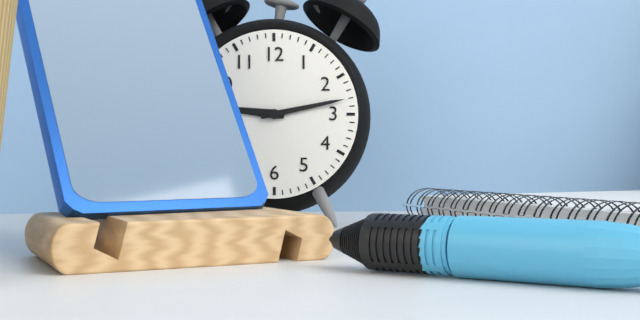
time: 9:13
